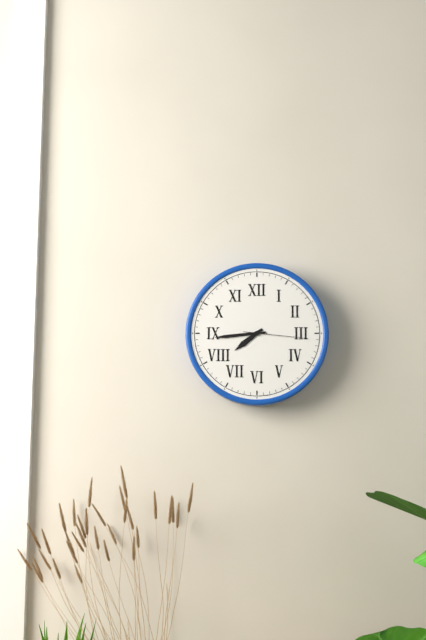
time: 7:44:16
